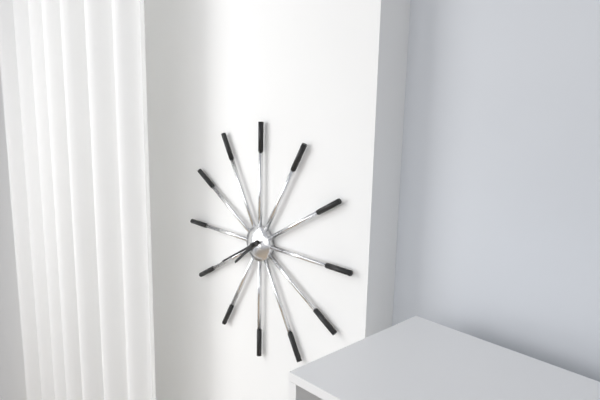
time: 7:40
